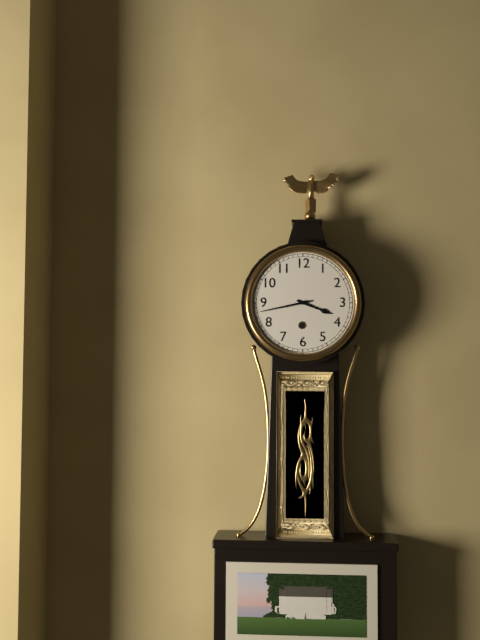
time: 3:43
